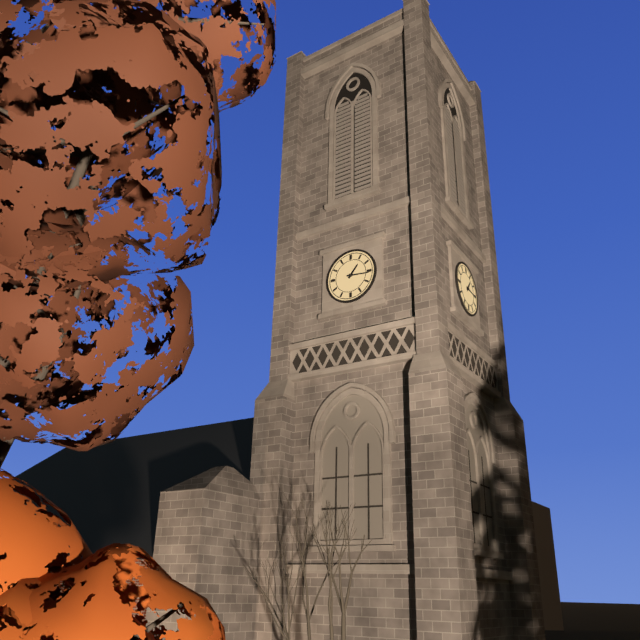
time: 1:16
